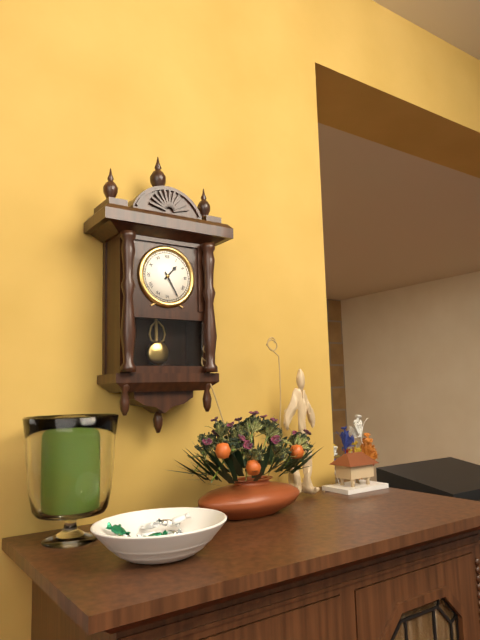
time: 1:25
